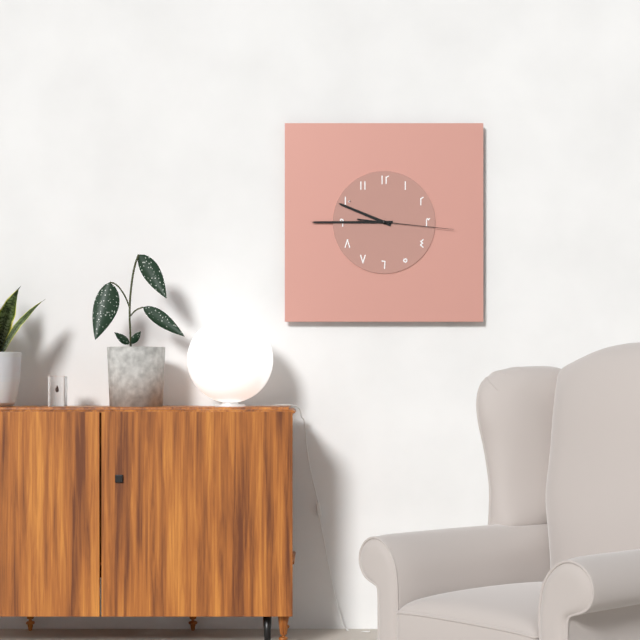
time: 9:45:16
